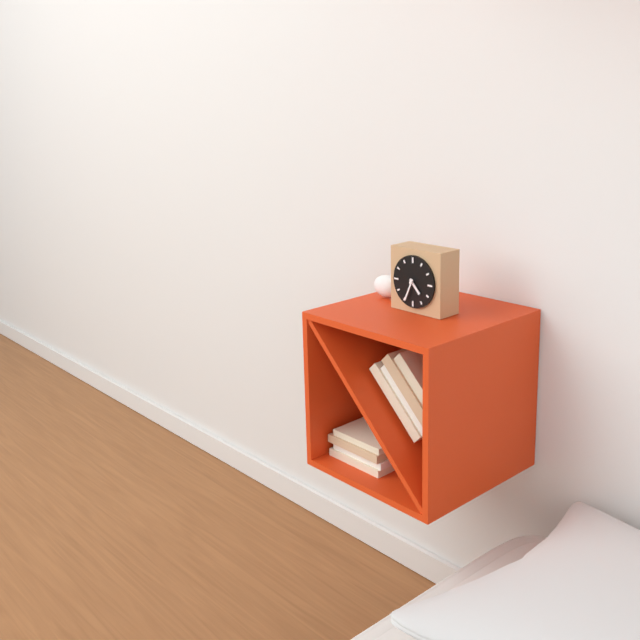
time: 4:34
